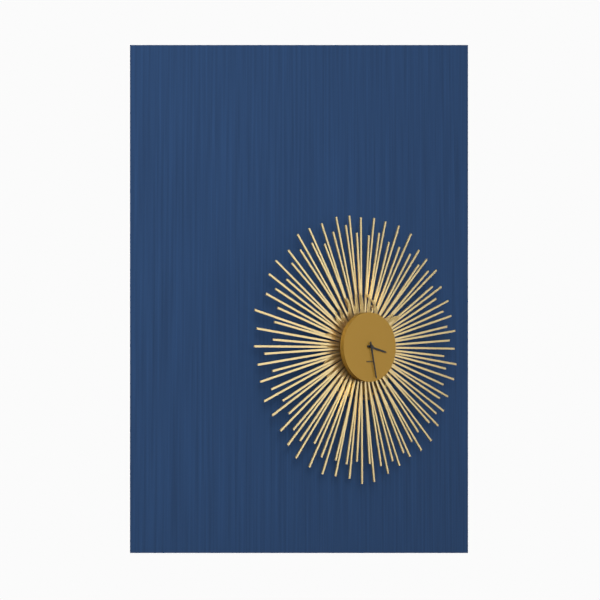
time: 3:28
